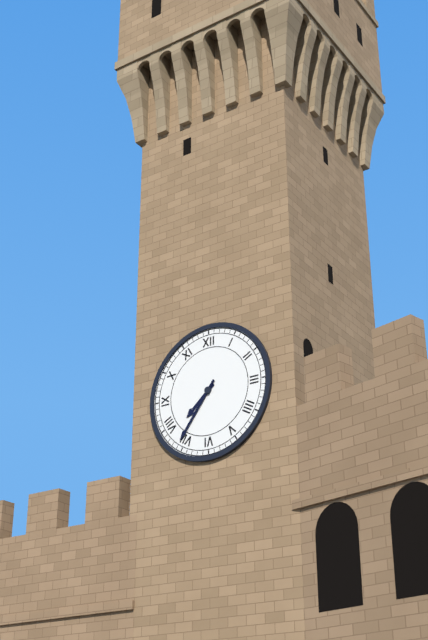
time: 7:36
